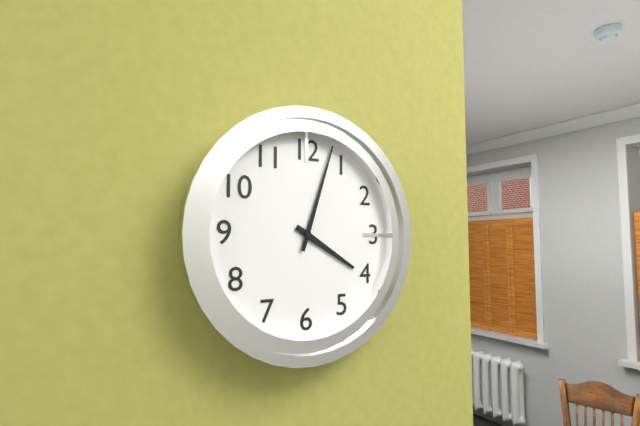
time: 4:03
